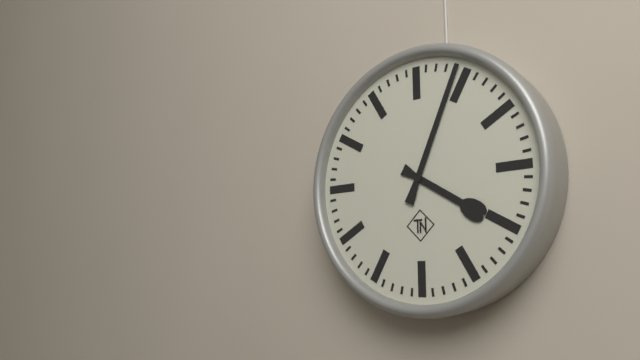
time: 4:04
